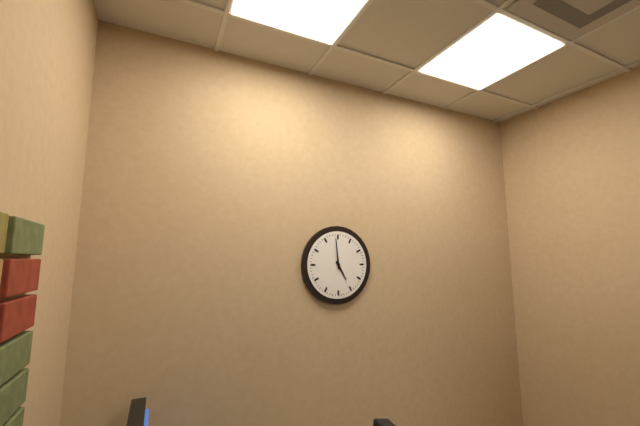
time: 4:59
